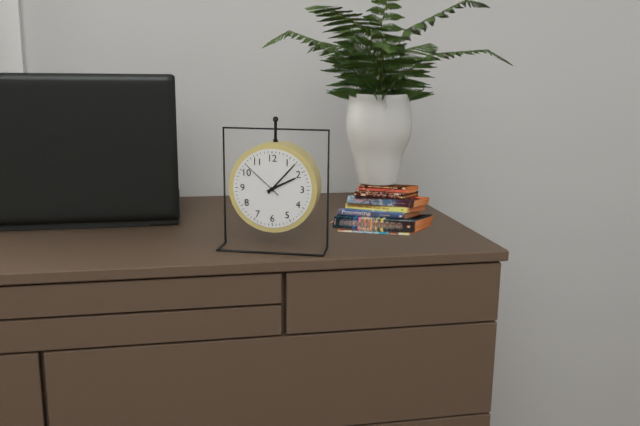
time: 2:07
